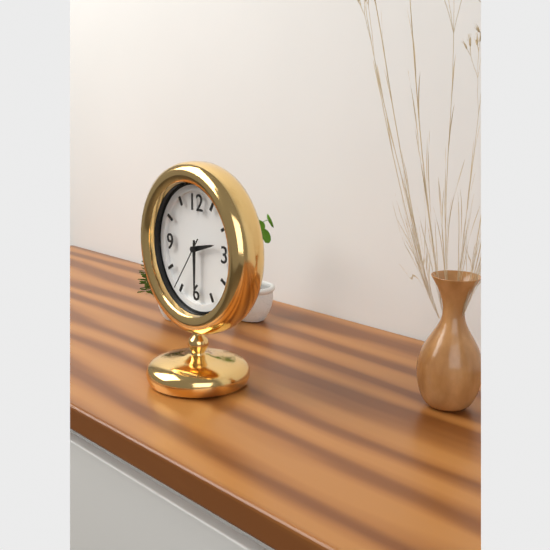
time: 2:30:36
